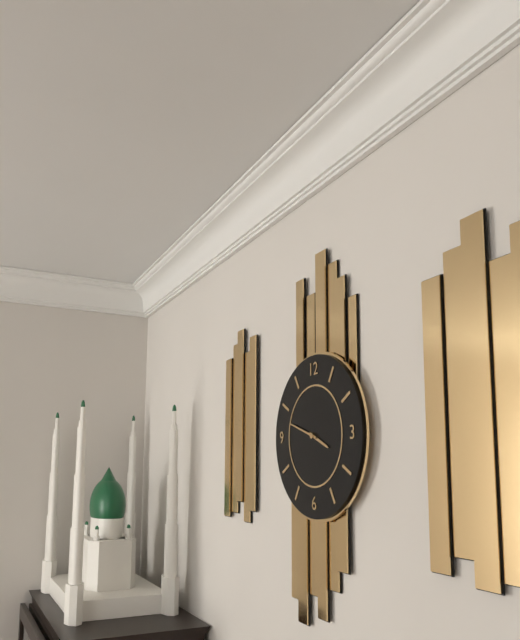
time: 3:48
